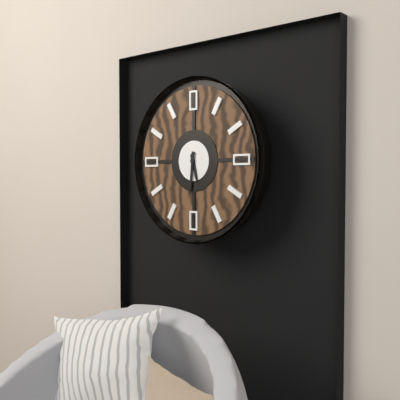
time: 5:31
